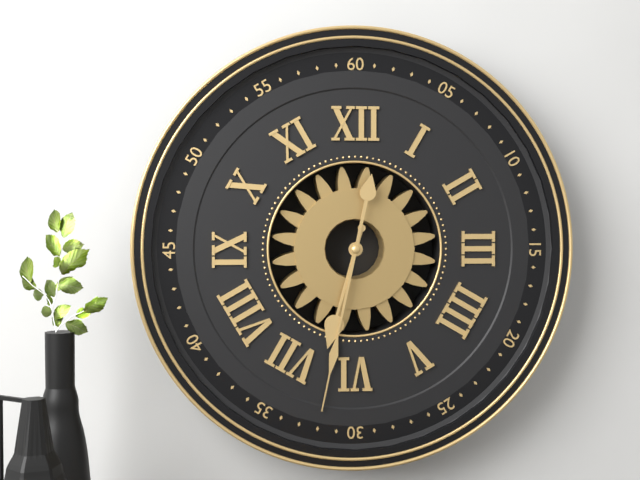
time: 6:32
